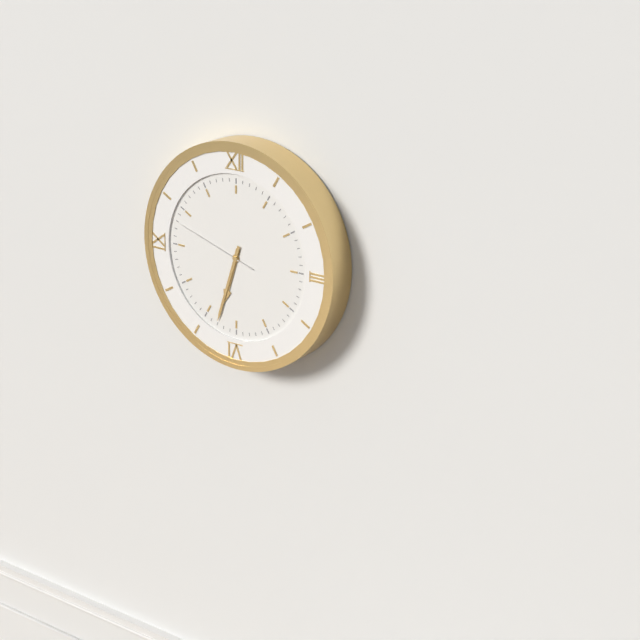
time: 6:33:48
